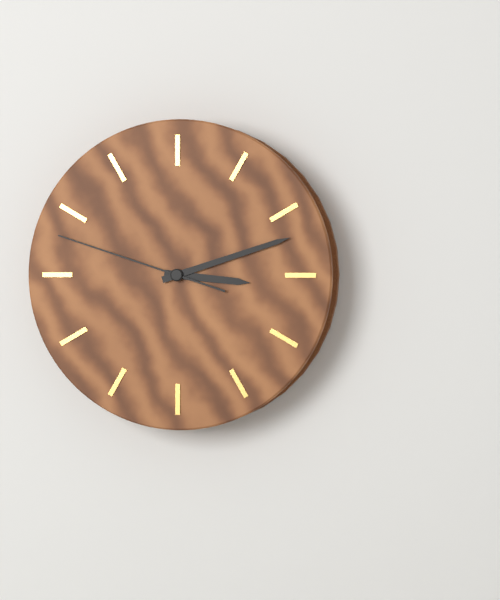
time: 3:12:48
